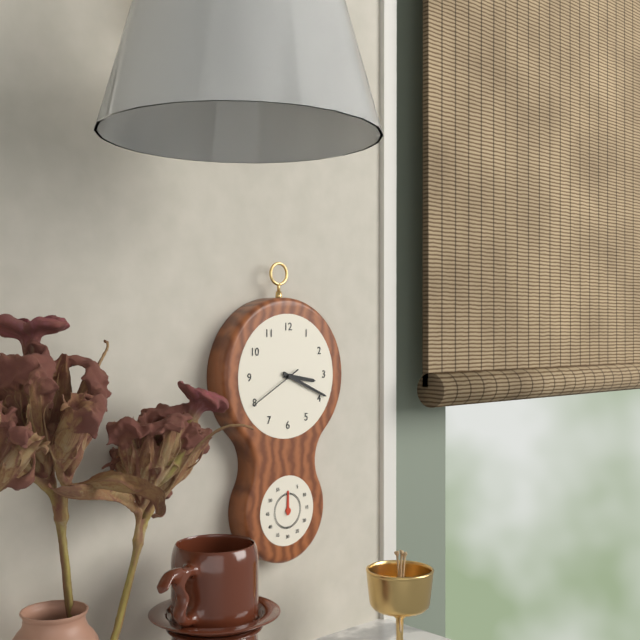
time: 3:19:40
